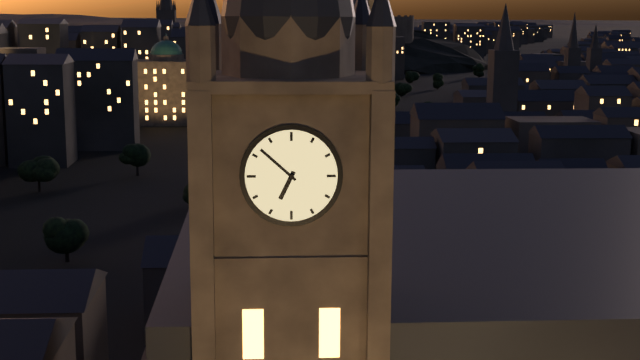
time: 6:52
